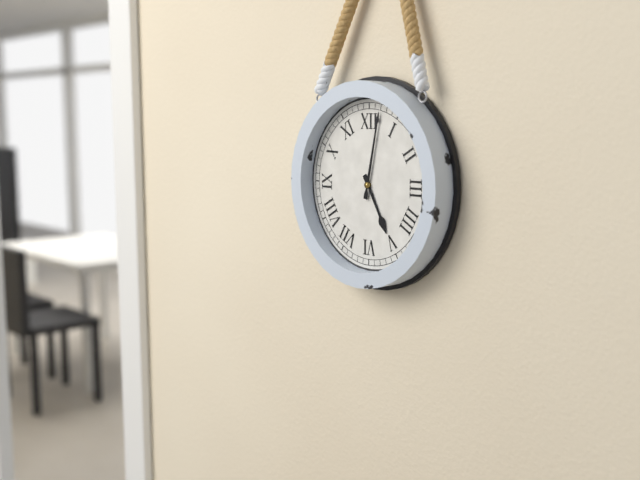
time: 5:02
